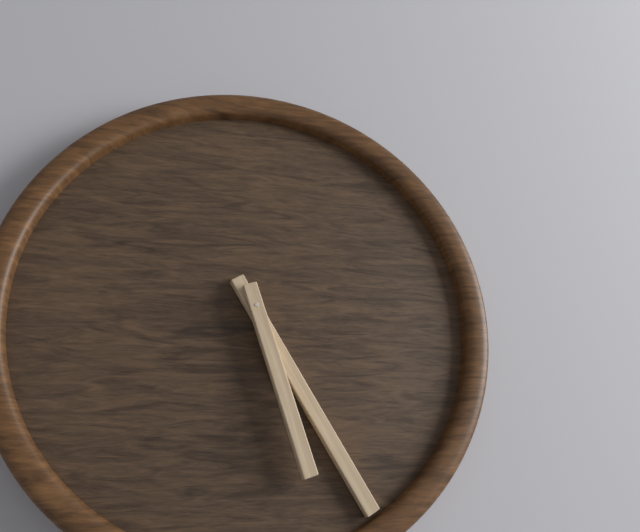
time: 5:25
